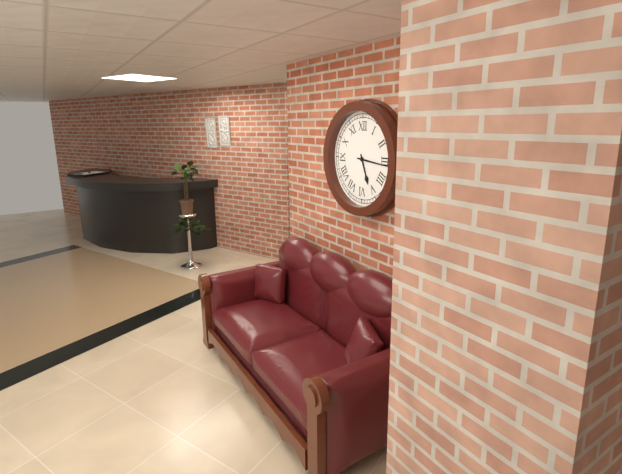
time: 5:16
